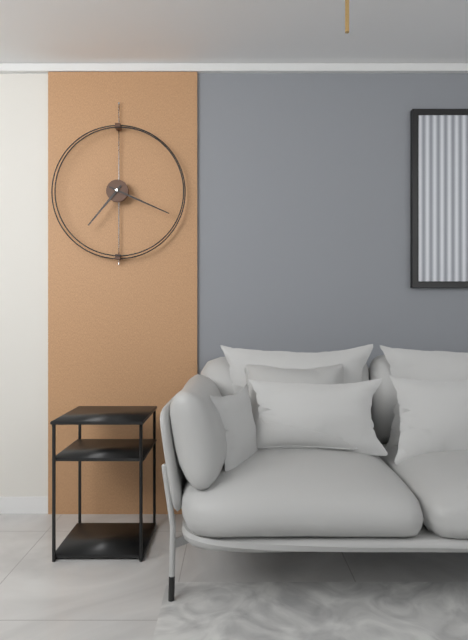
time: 7:19
